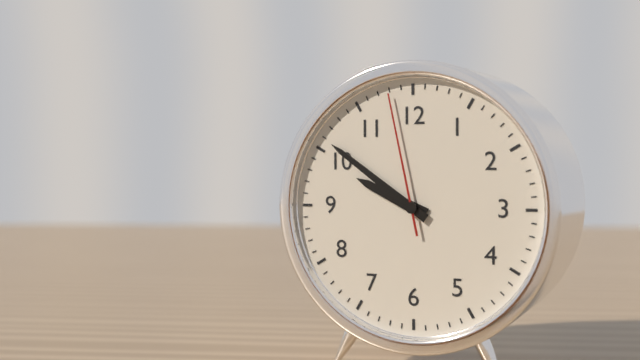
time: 9:51:58
